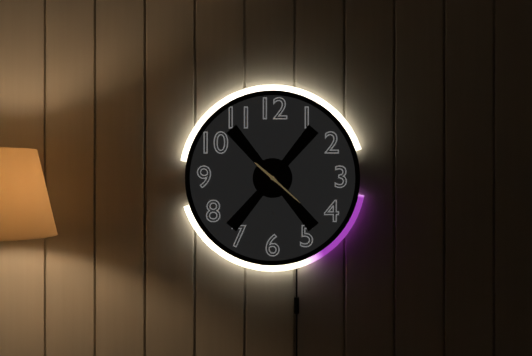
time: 10:22
